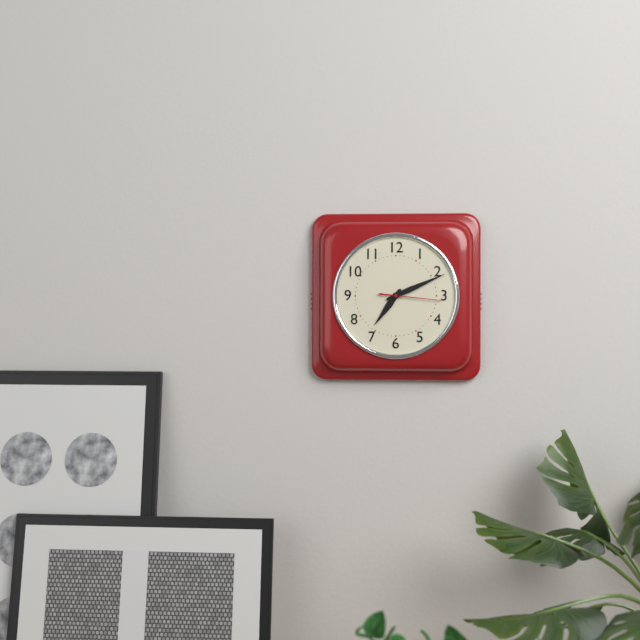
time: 7:11:16
